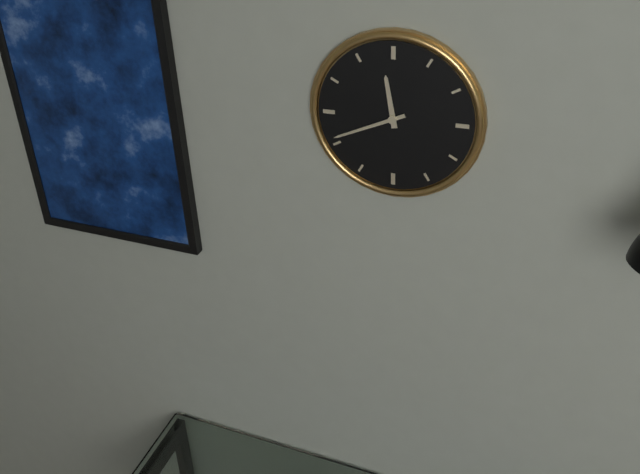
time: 11:41
